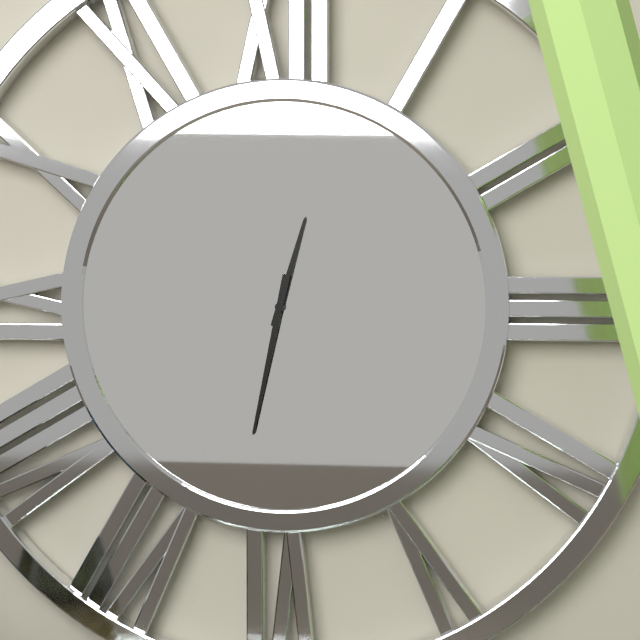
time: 12:32
